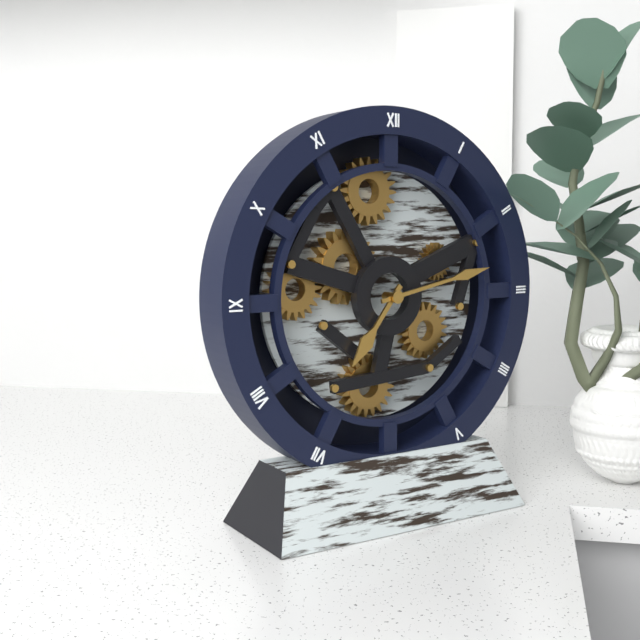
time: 7:13
